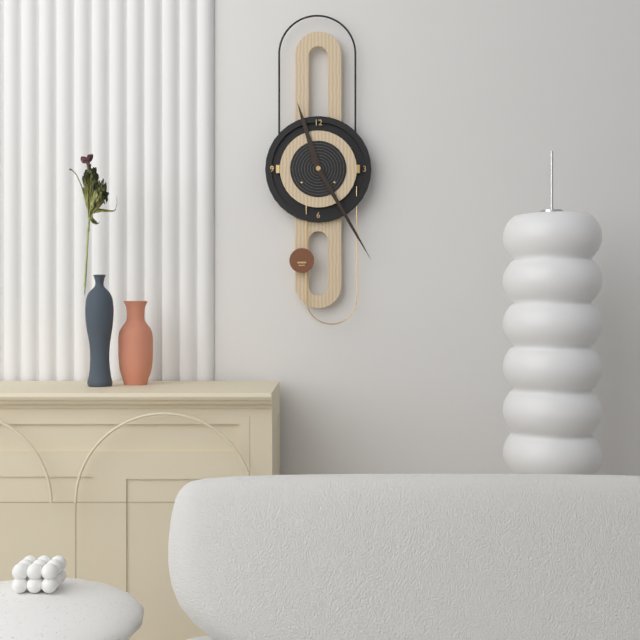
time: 11:25
